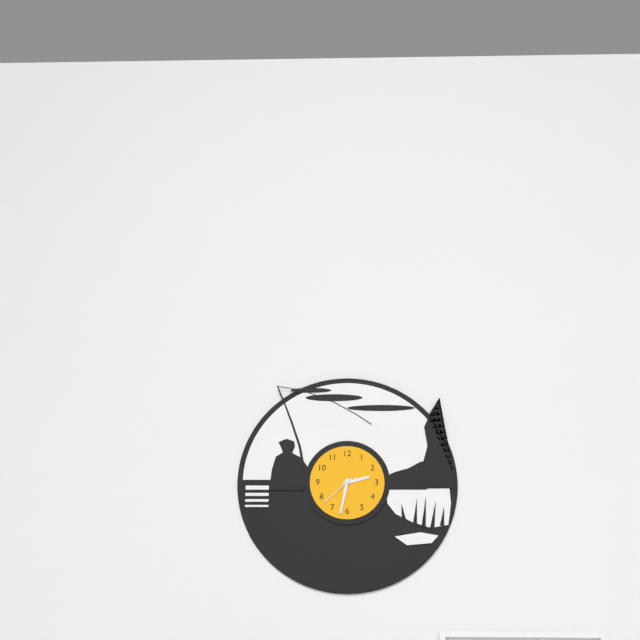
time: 2:32
